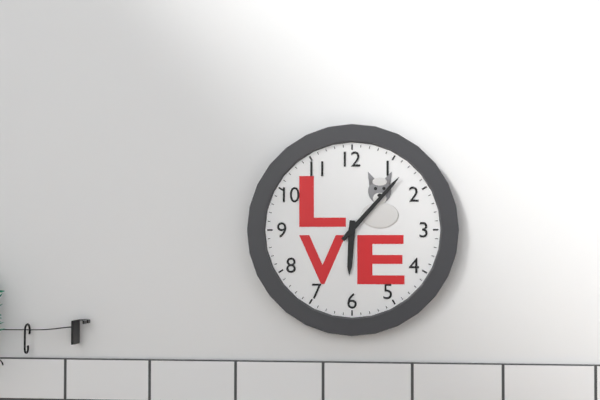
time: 6:07
